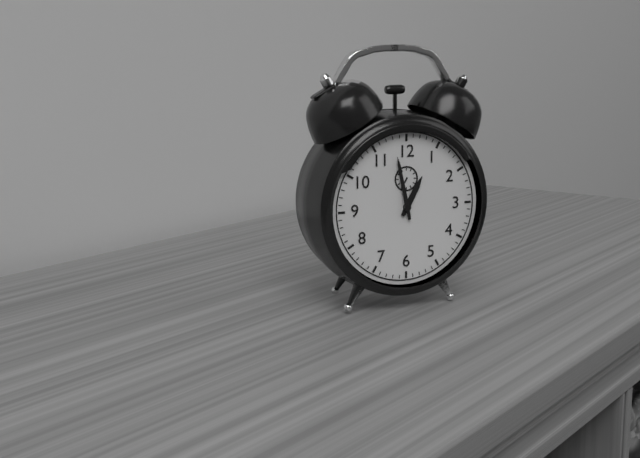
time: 12:58
